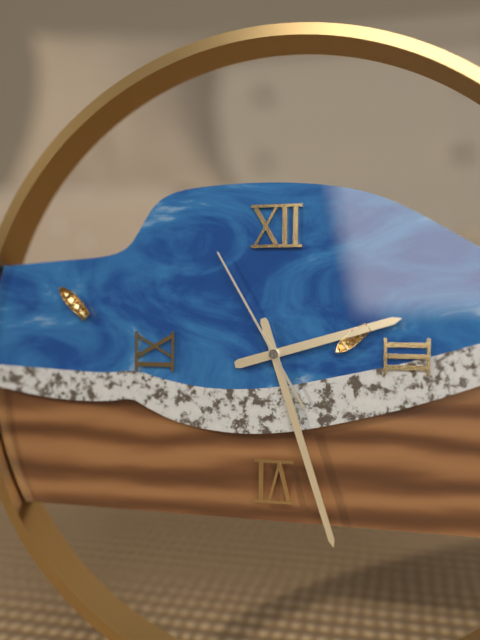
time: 2:27:55
